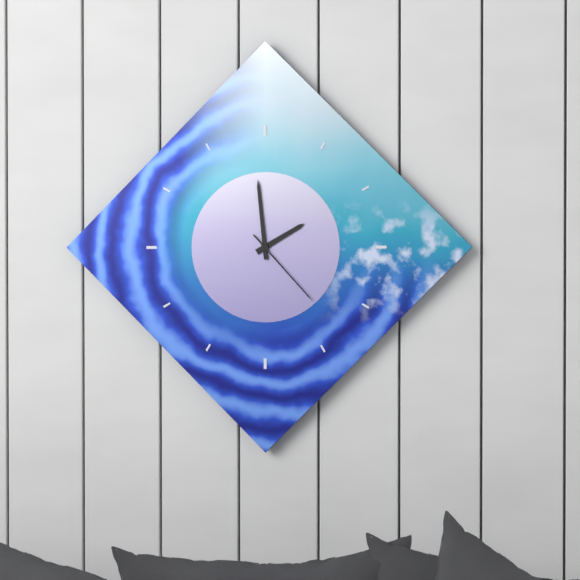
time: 1:59:23
